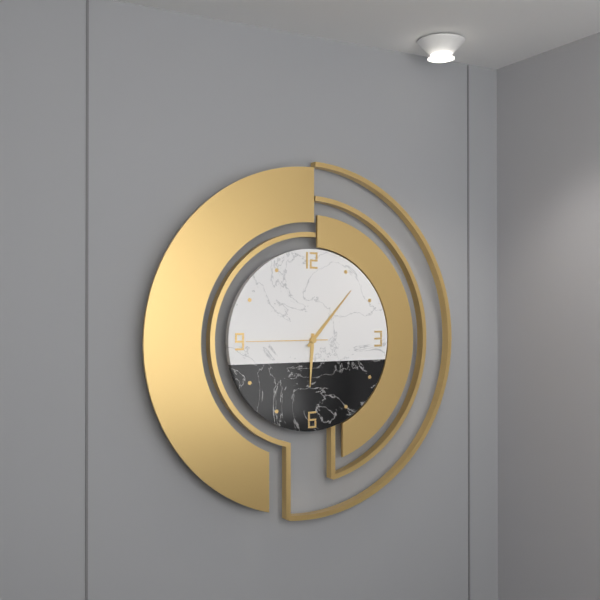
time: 6:07:45
